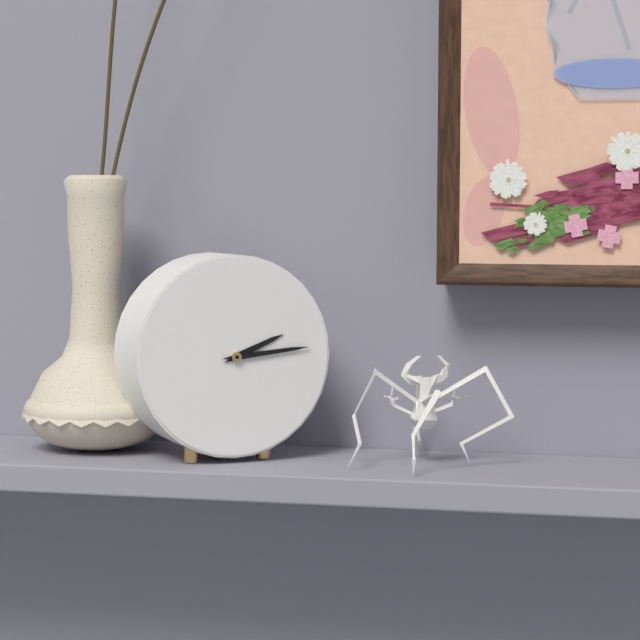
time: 2:14
